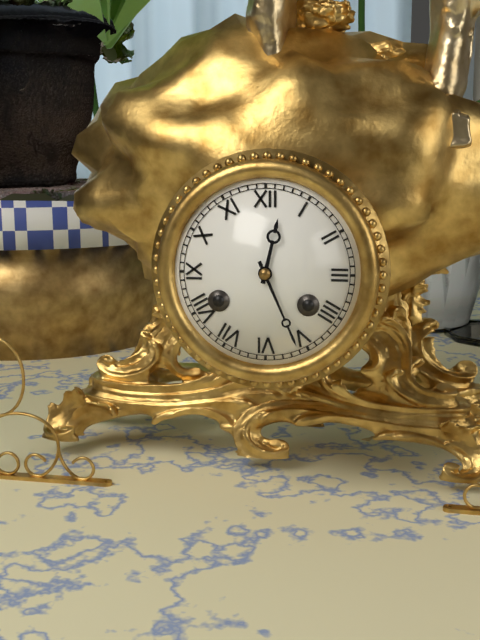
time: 12:26
